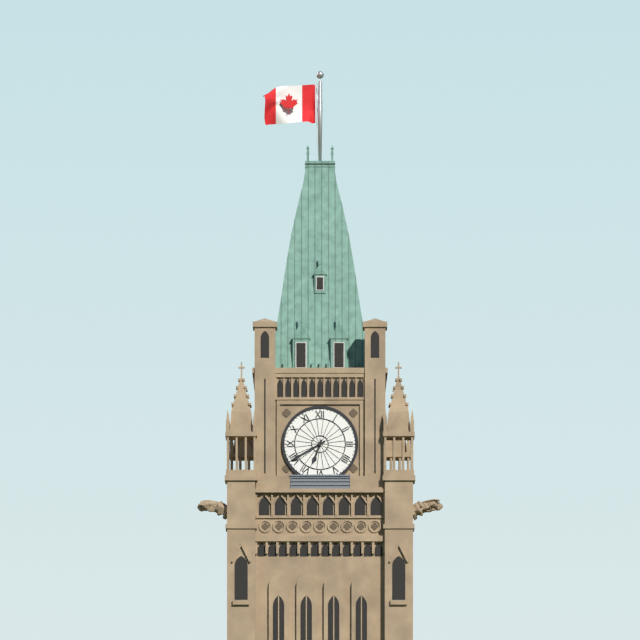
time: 6:40
